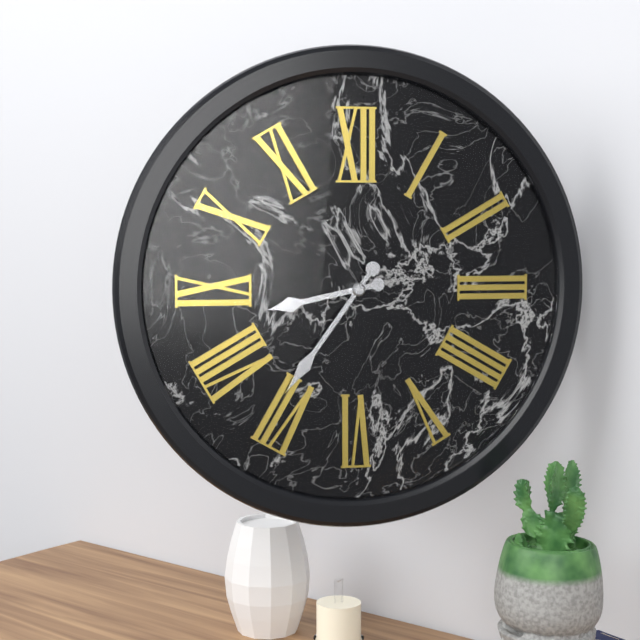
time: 8:36
